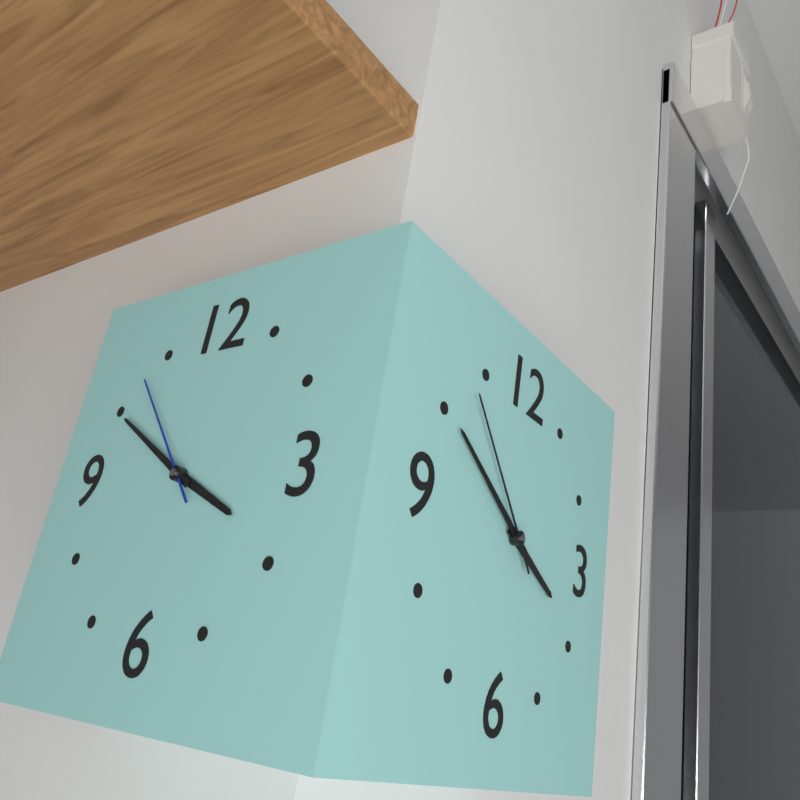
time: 3:50:53
